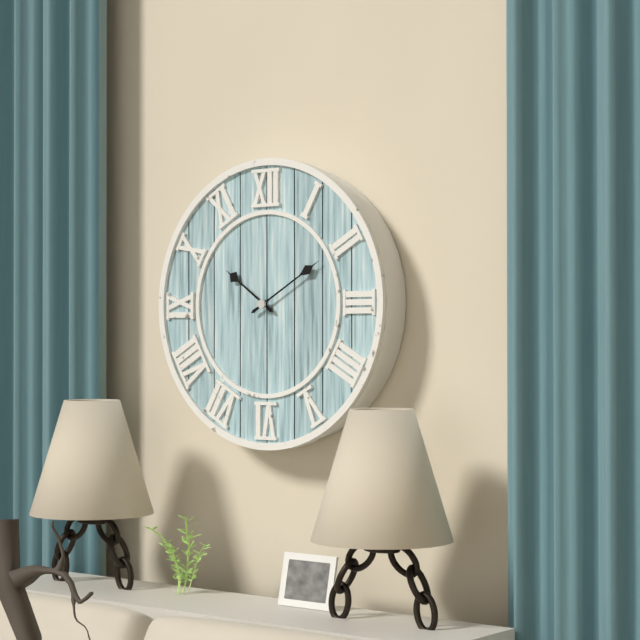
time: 10:10
